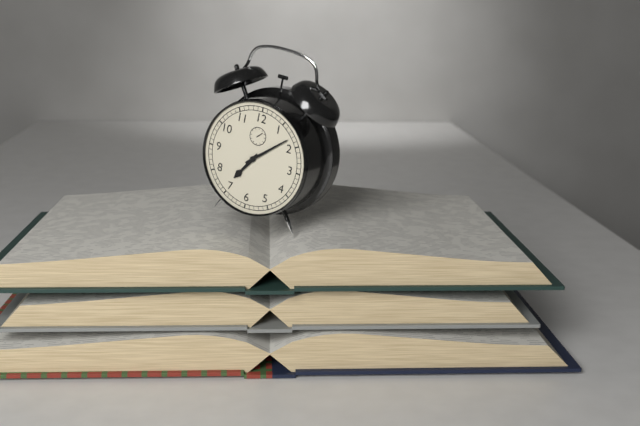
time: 7:08
